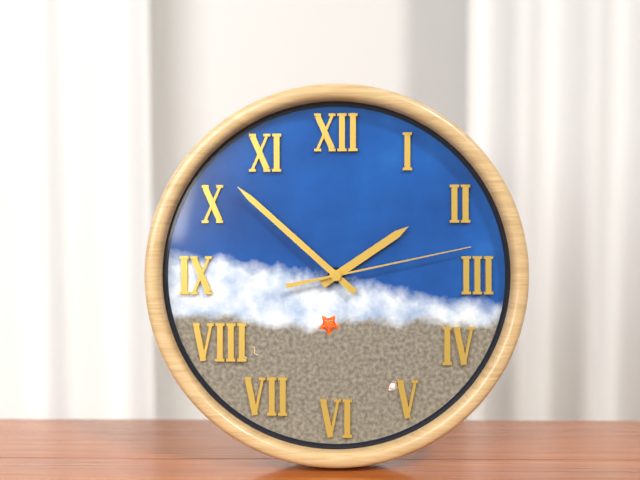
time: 1:52:13
